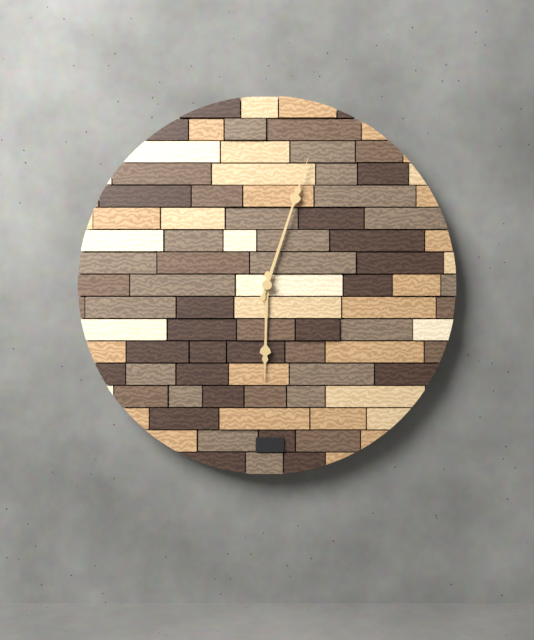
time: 6:03
